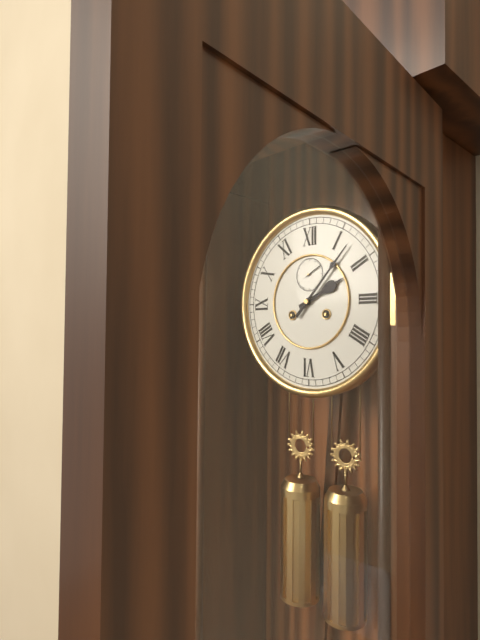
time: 2:07
